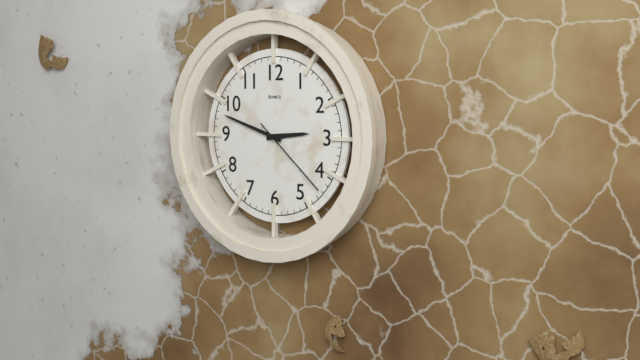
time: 2:48:22
